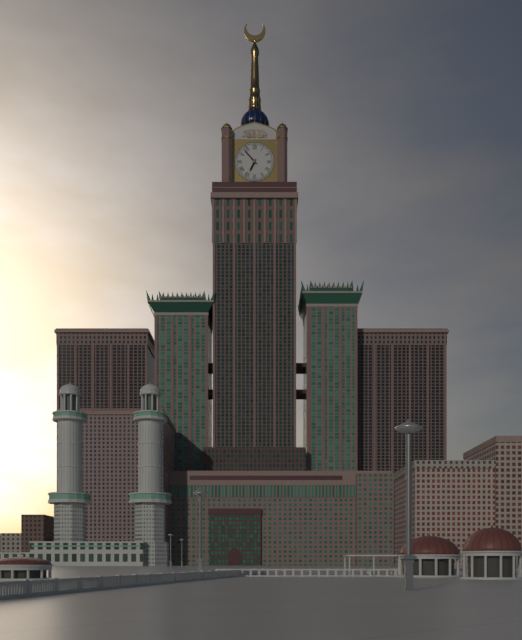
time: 6:53
